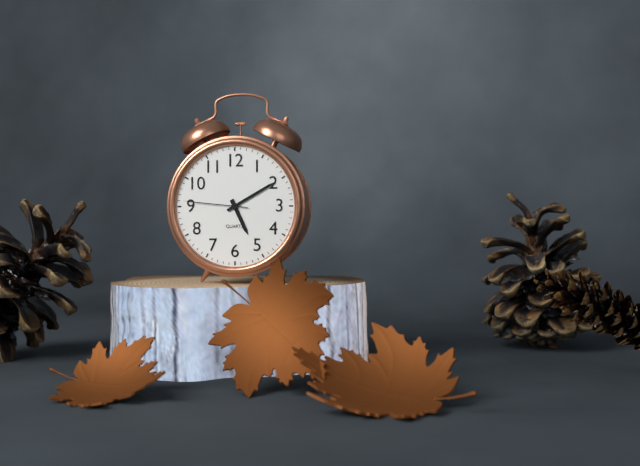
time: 5:10:46
